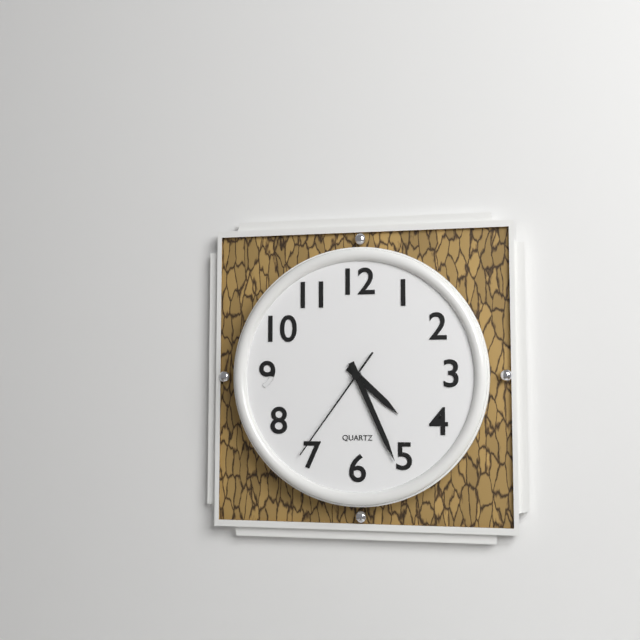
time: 4:26:36
